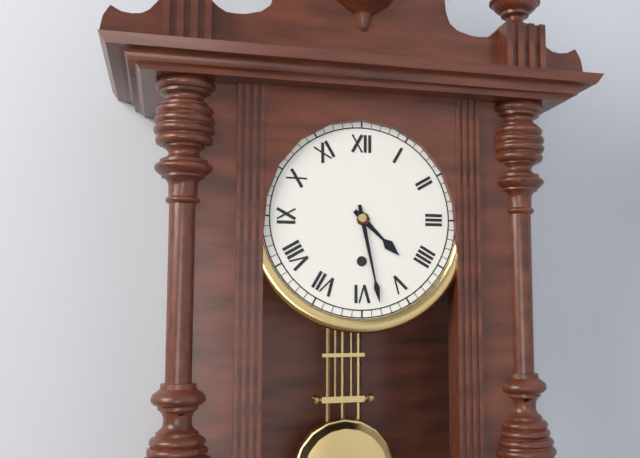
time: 4:28
